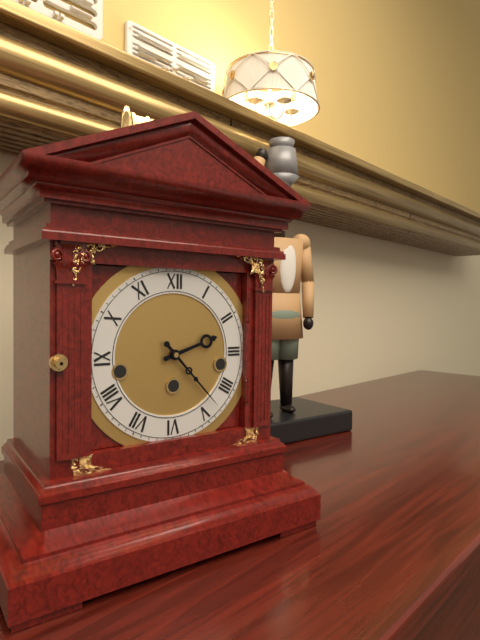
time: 2:23
